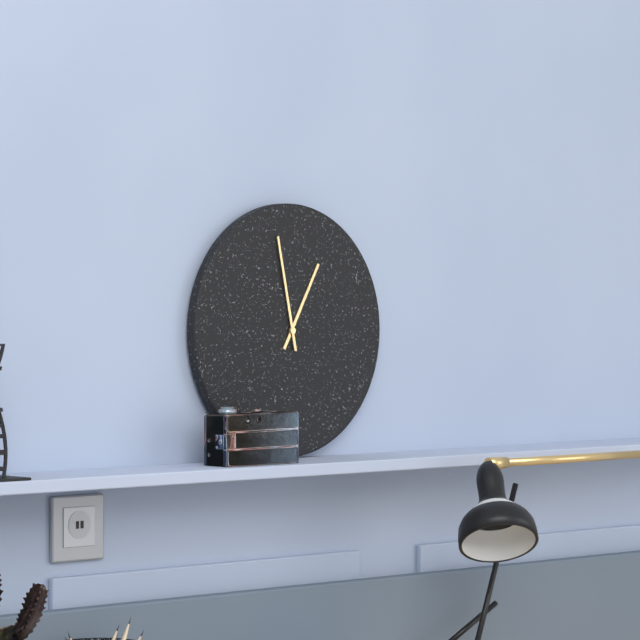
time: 12:58
